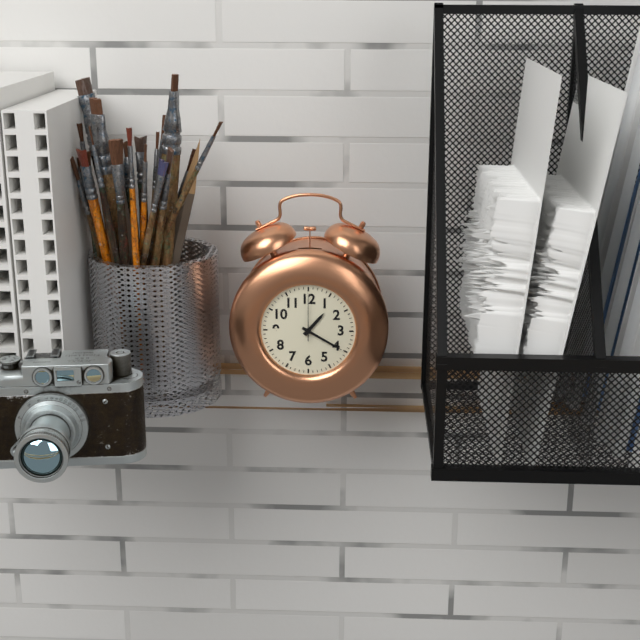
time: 1:20:00
